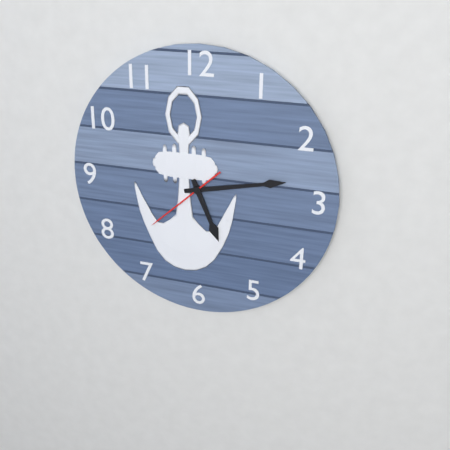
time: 5:13:38
